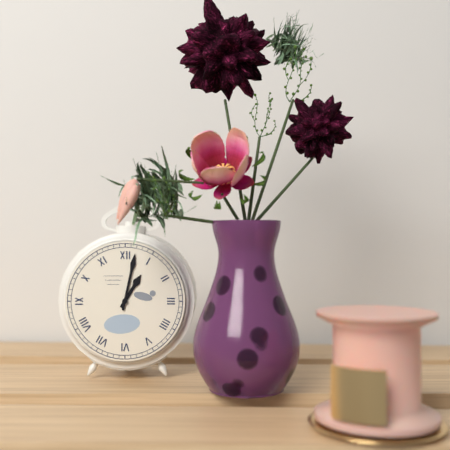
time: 1:02
